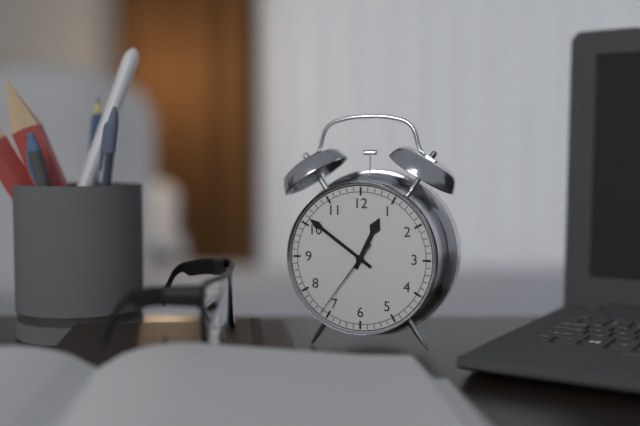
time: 12:51:36
